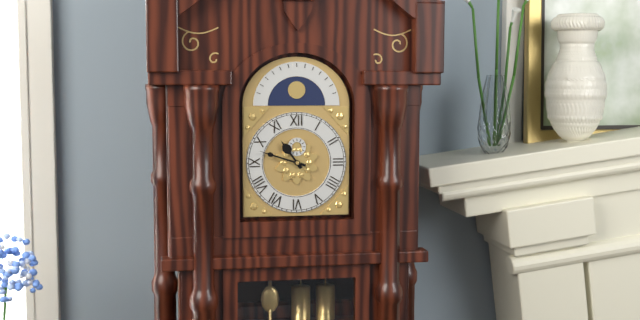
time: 10:48
